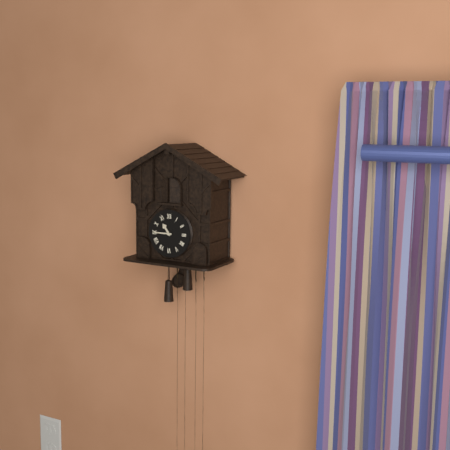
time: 10:45
